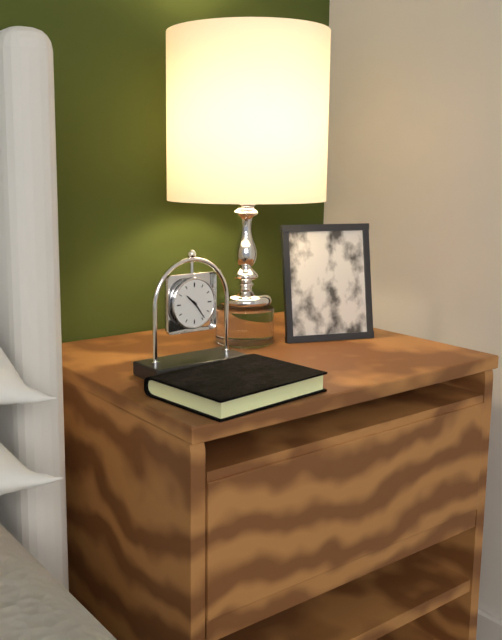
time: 10:24
